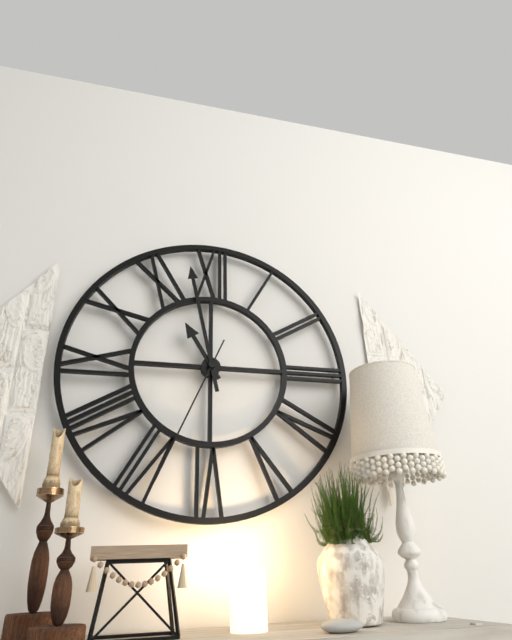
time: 10:58:34
